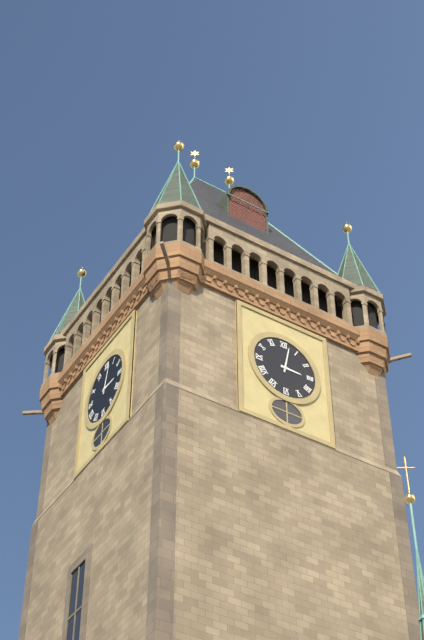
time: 3:02
